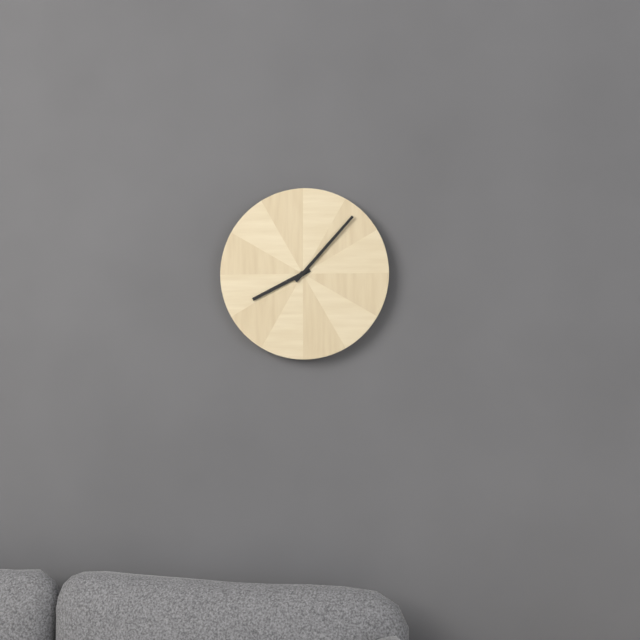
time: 8:07
